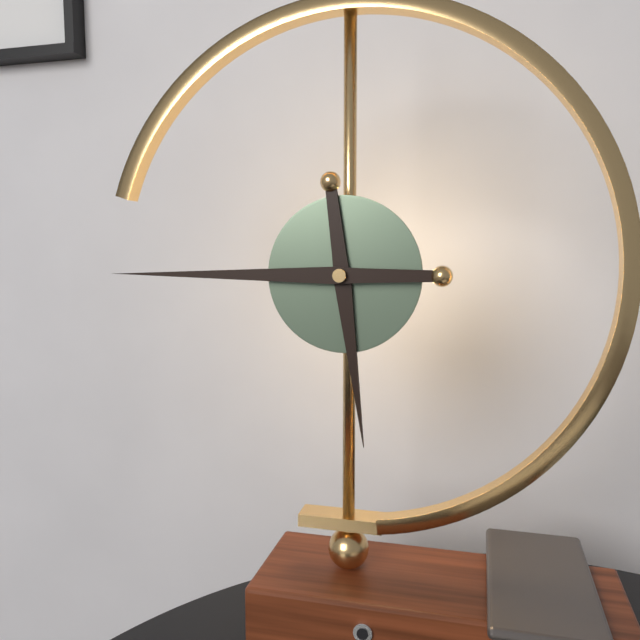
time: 5:45
